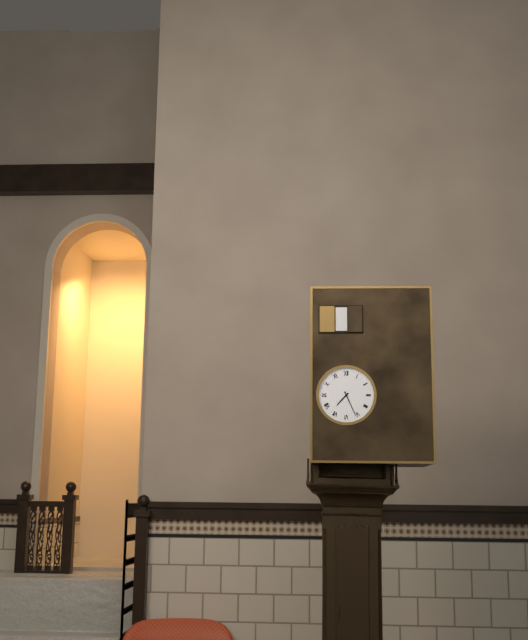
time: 7:26
